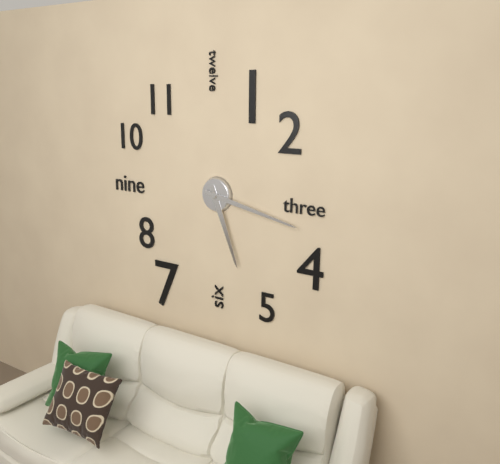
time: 5:17
